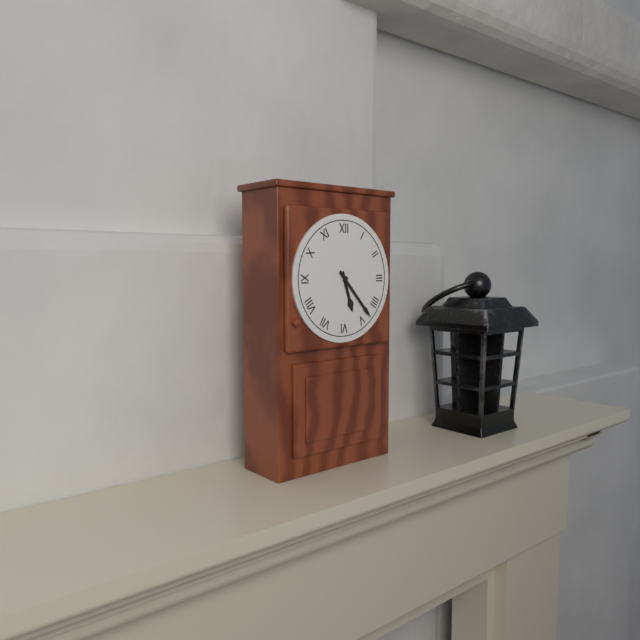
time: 5:23
